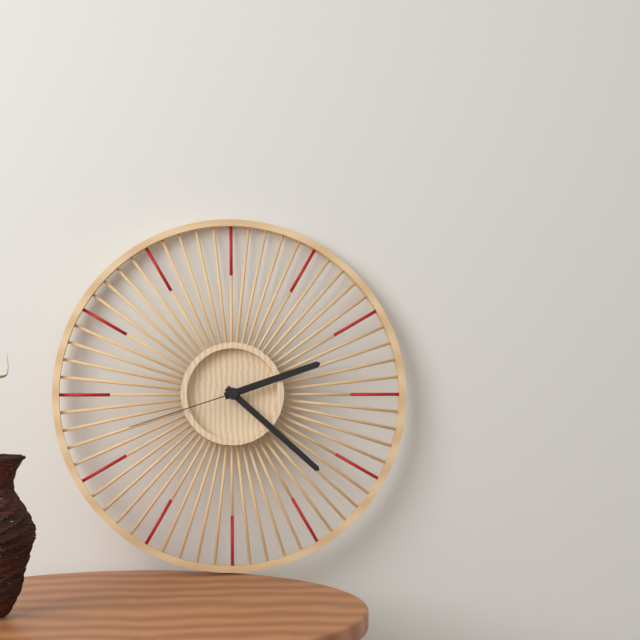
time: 2:22:42
